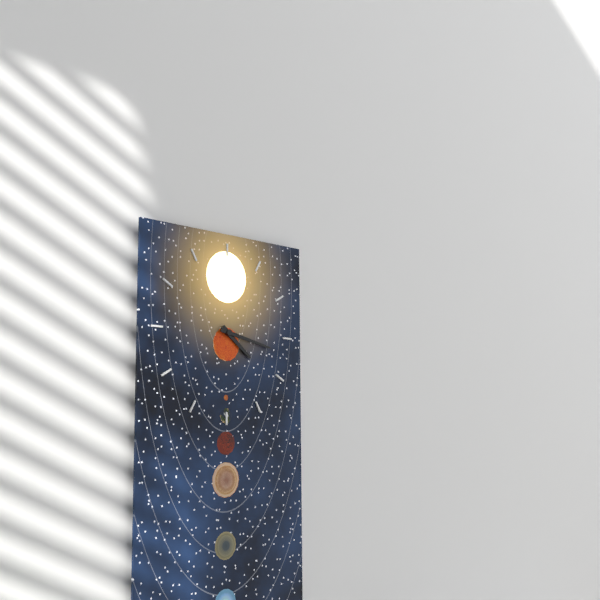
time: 4:17
